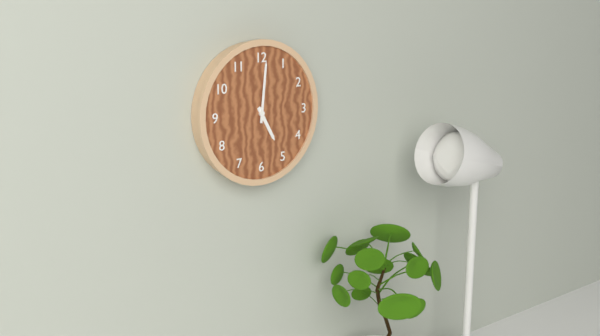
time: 5:01
